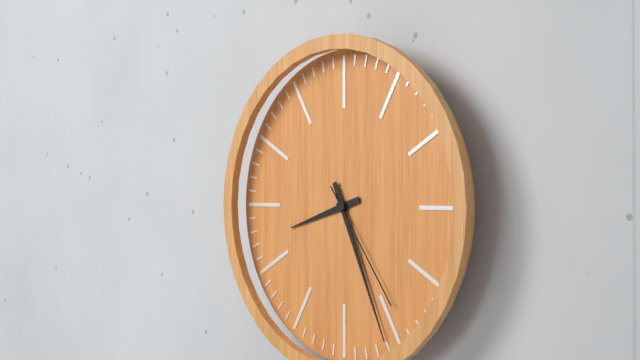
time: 8:26:24
